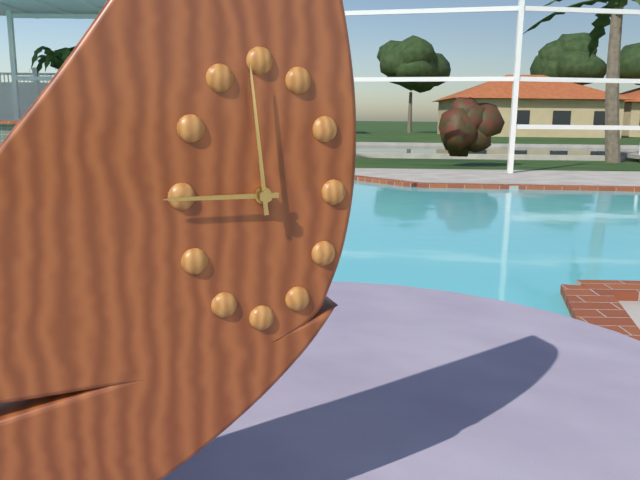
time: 8:59
